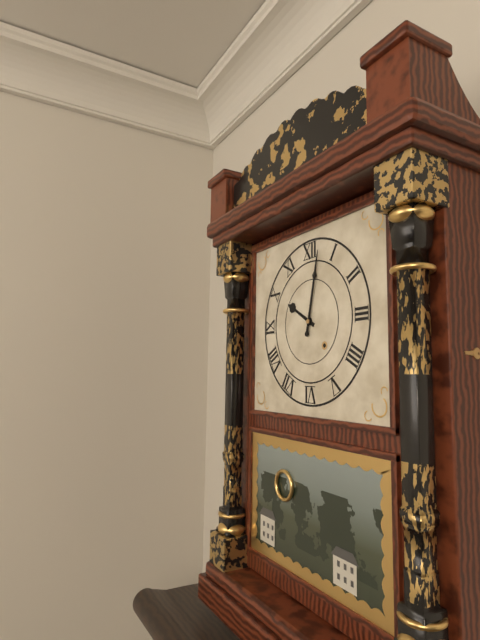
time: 10:02
